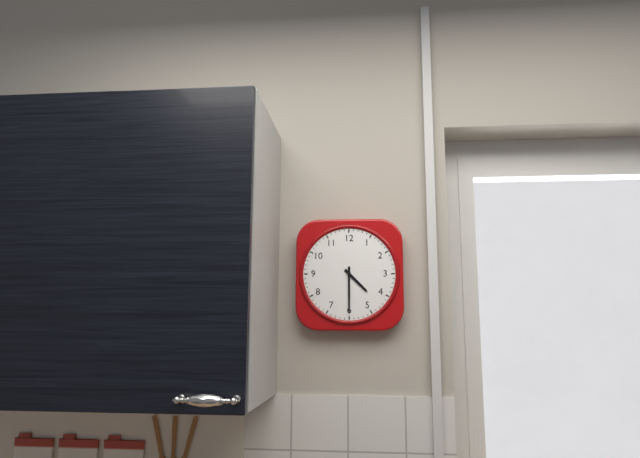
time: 4:30
